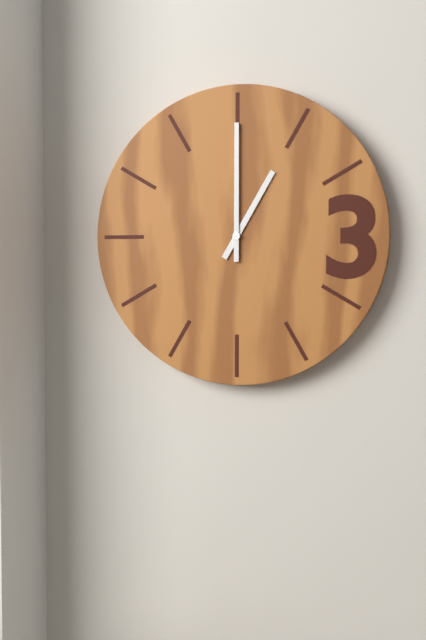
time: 1:00
